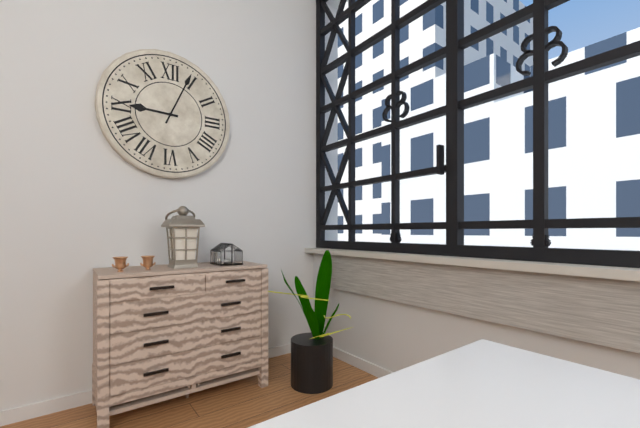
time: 9:04
